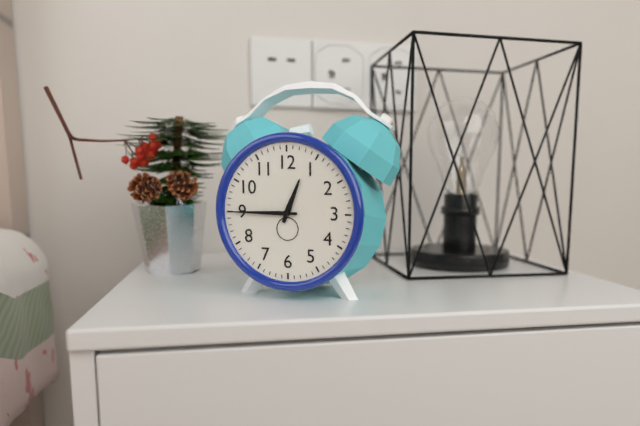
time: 12:45
